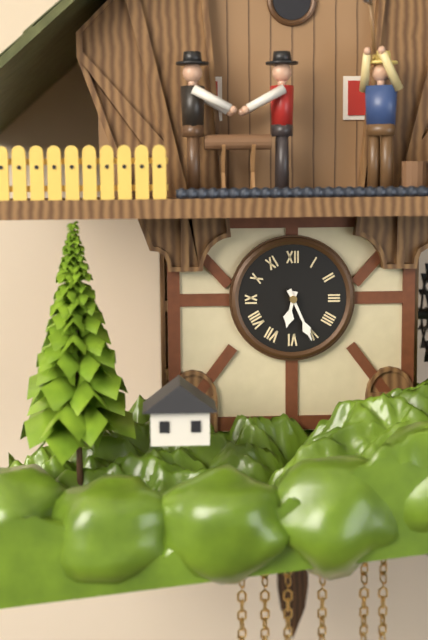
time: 6:26
